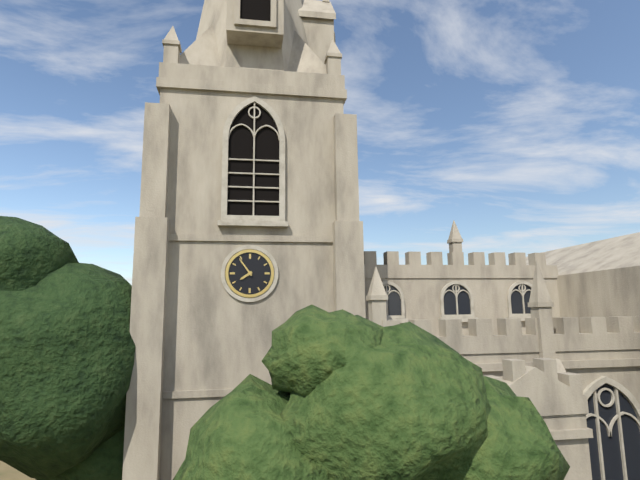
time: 7:54
